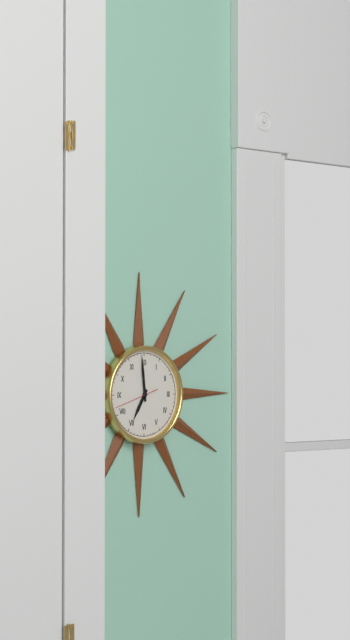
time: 6:59
